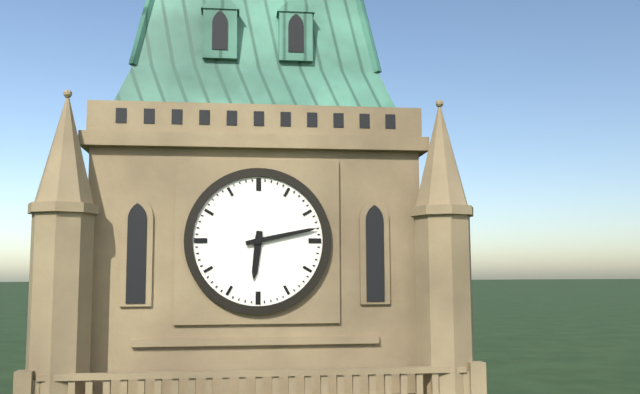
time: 6:13
